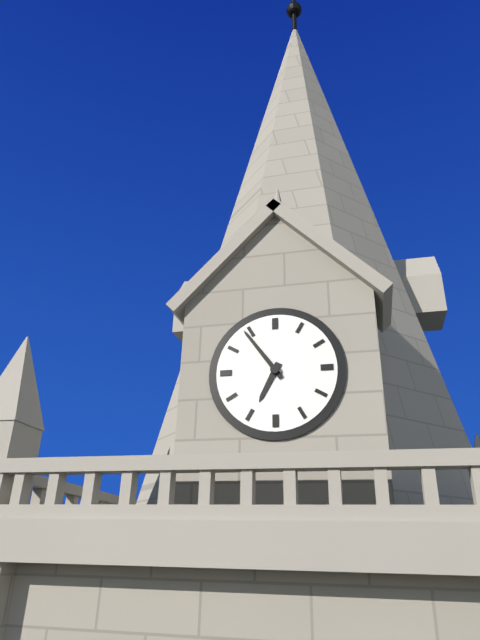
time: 6:54
